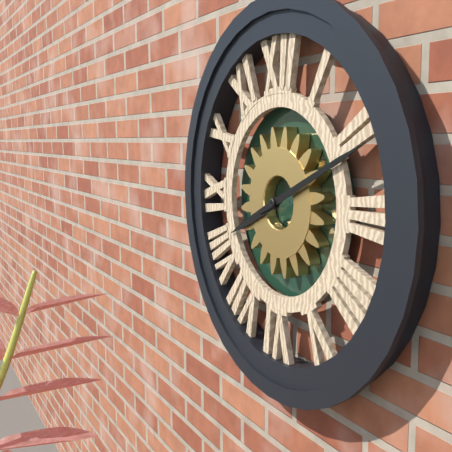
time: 8:11
